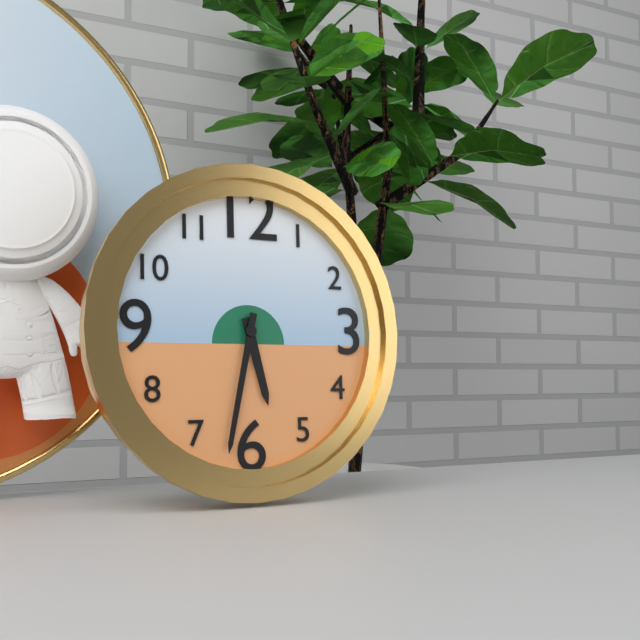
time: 5:32
